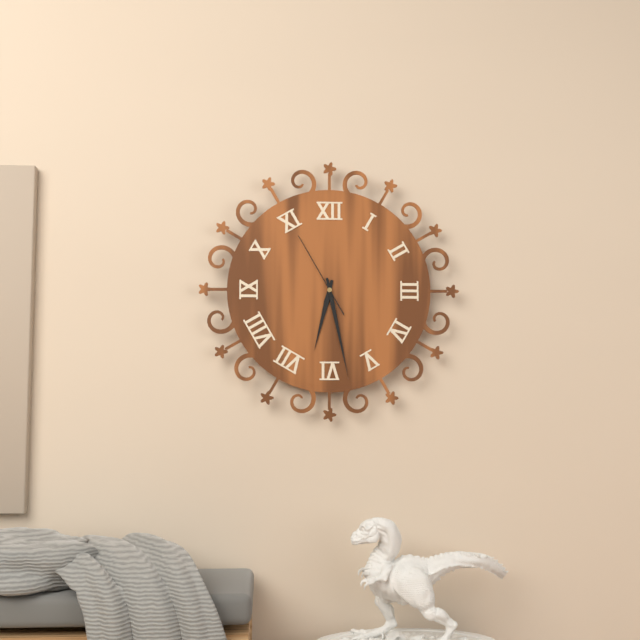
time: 6:28:55
